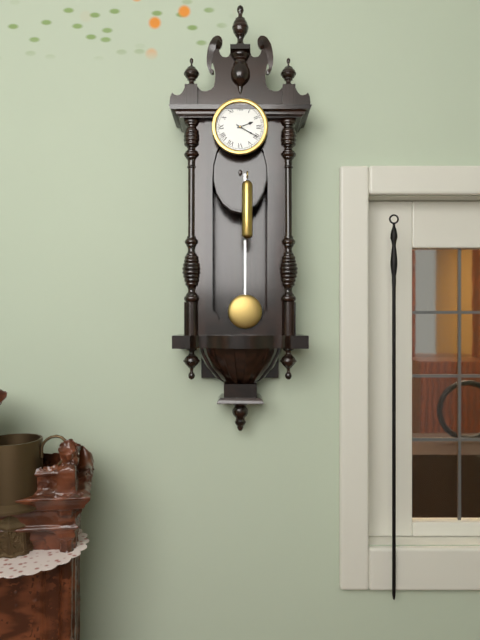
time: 2:20
